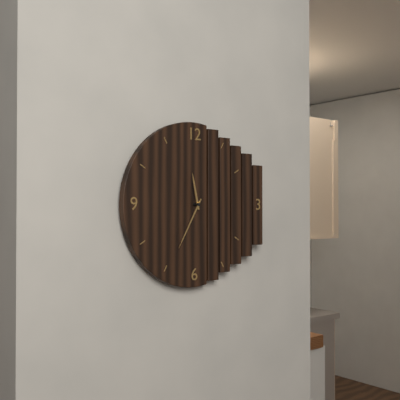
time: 11:35
